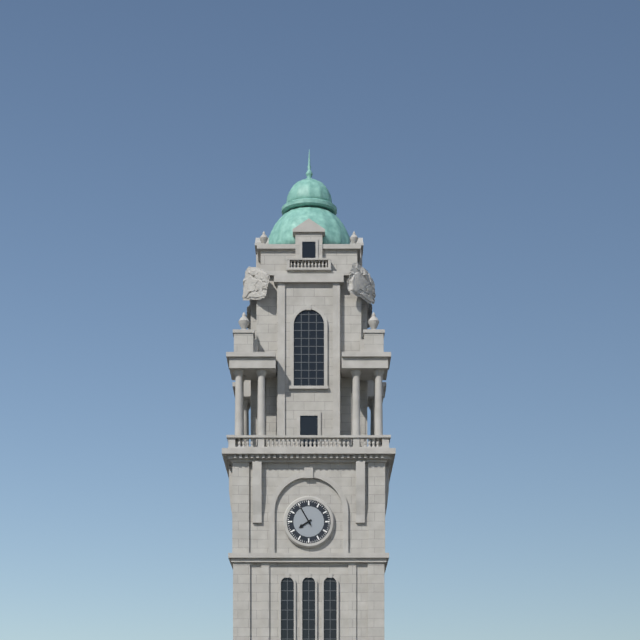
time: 7:55
